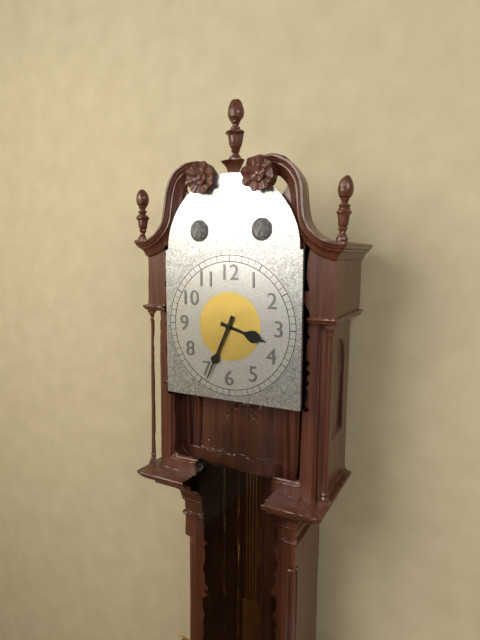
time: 3:34
